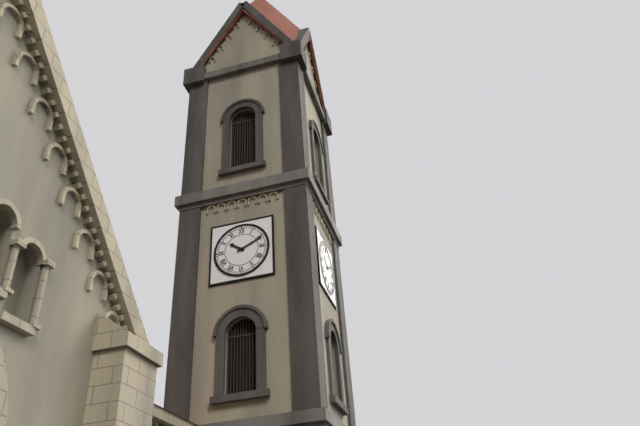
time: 10:11
